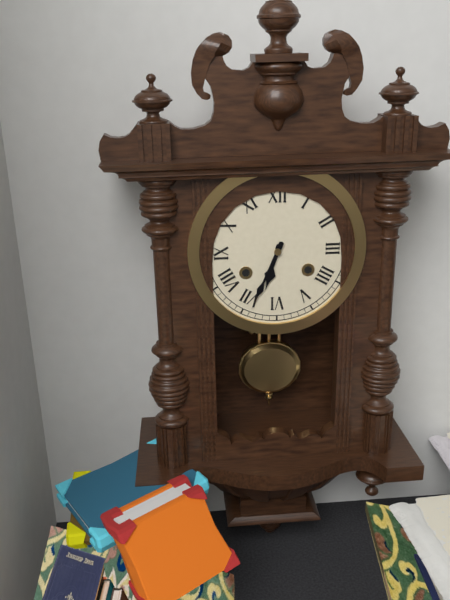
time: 6:34
